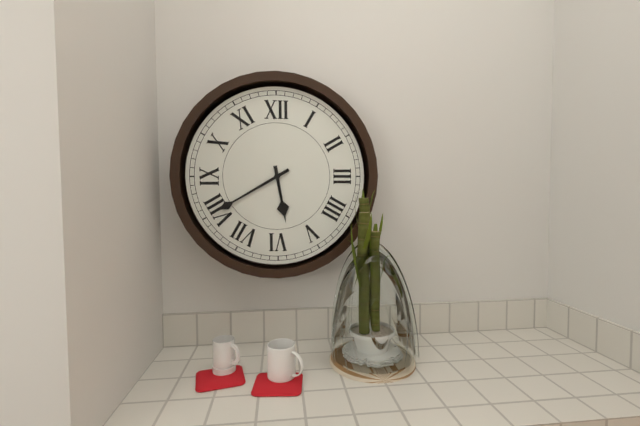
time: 5:40
